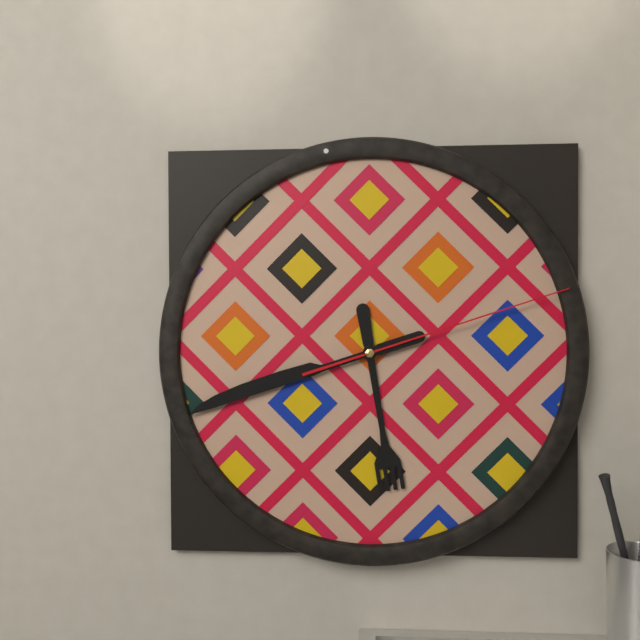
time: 5:42:12
